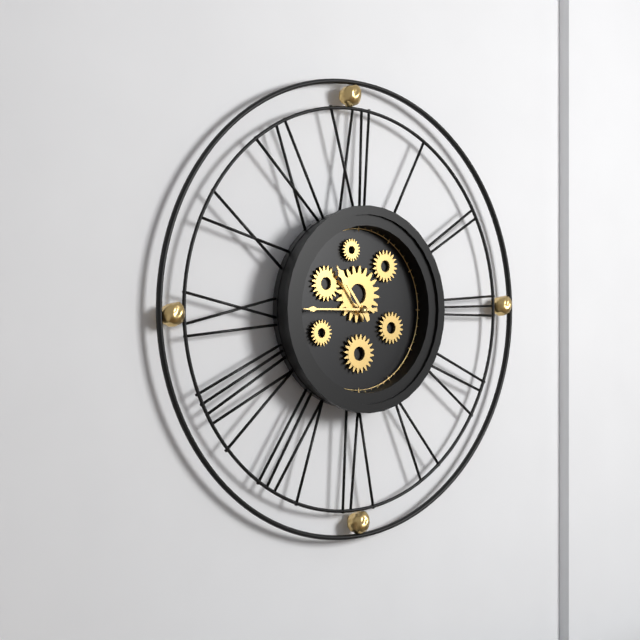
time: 10:45
